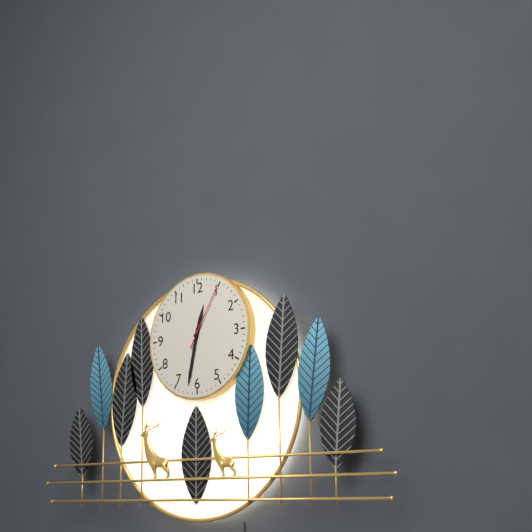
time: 12:32:05
